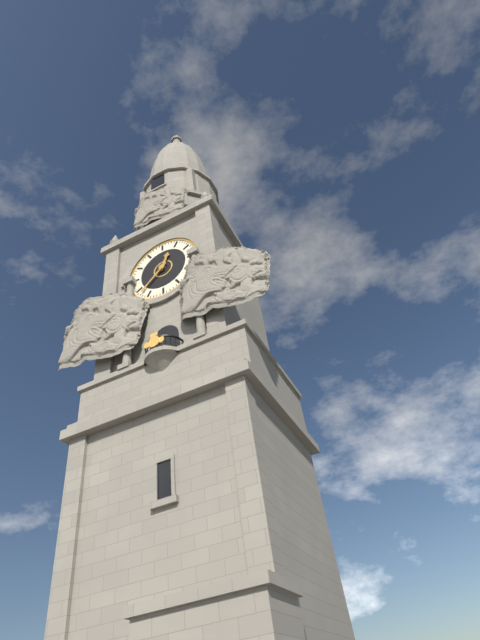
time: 12:38
